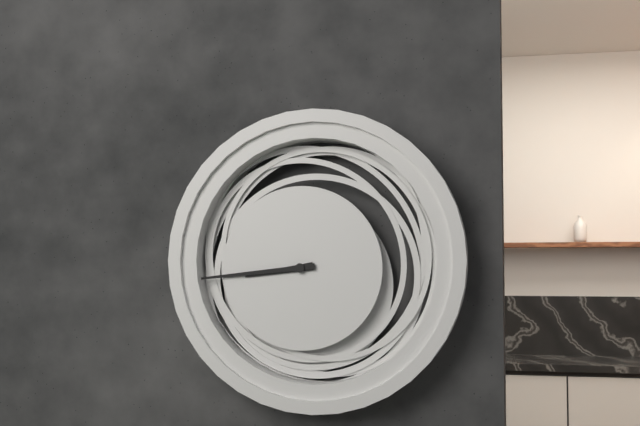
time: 8:44
